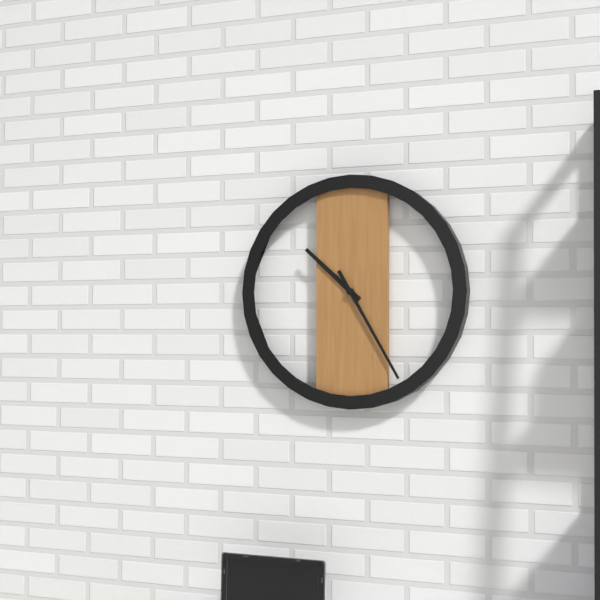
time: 10:25
